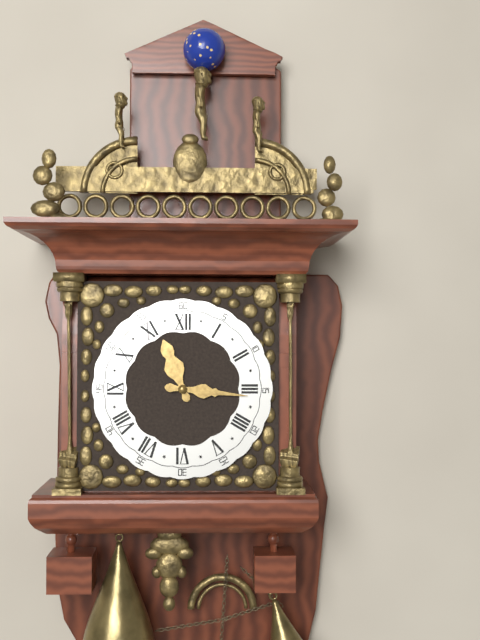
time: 11:16
